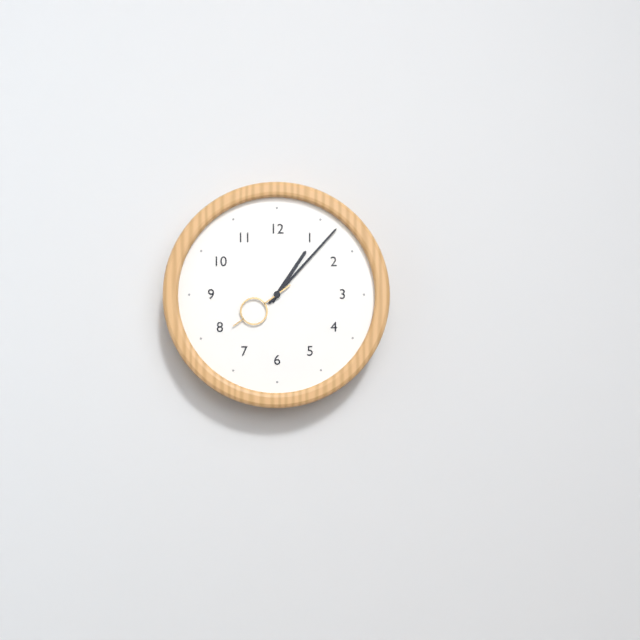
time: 1:07:39
